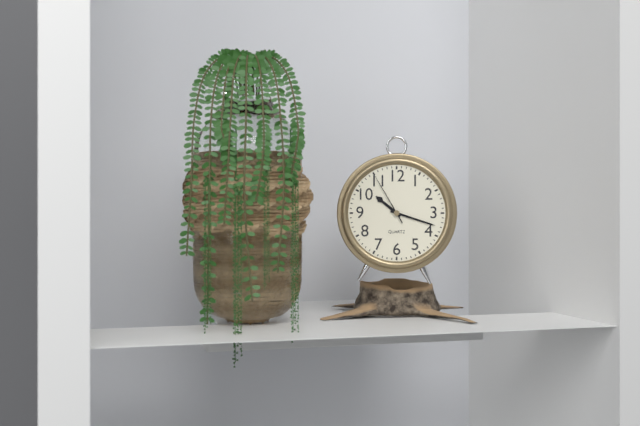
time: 10:18:55
